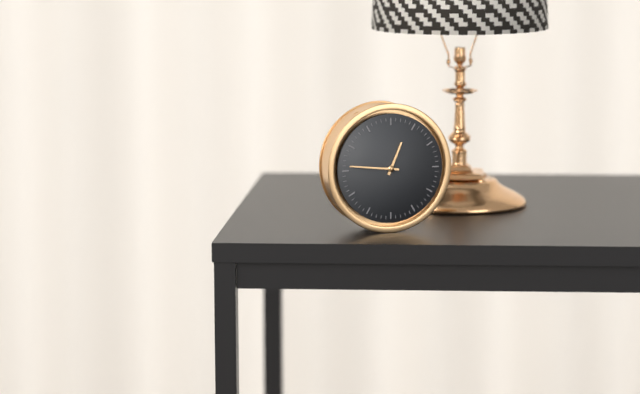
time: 12:46
